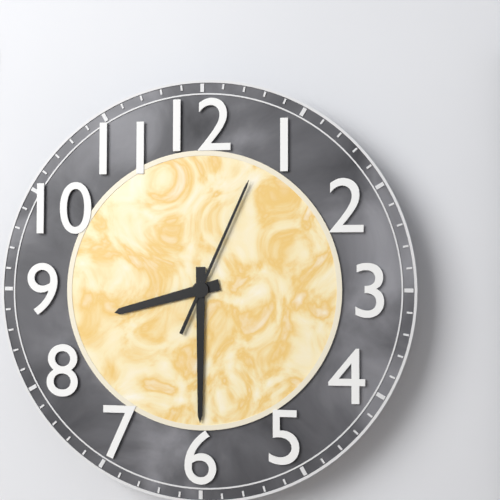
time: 8:30:04
